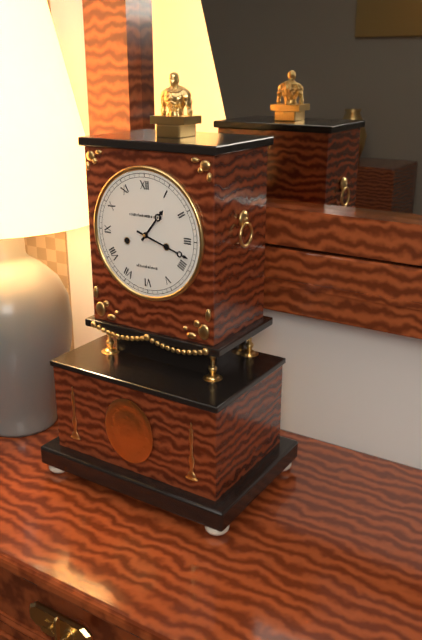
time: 1:18
